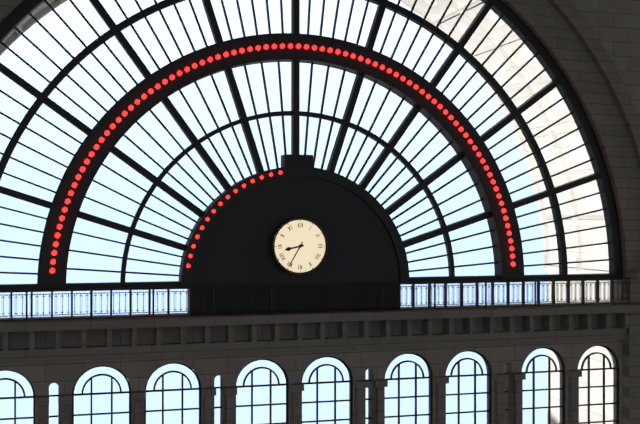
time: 8:35
